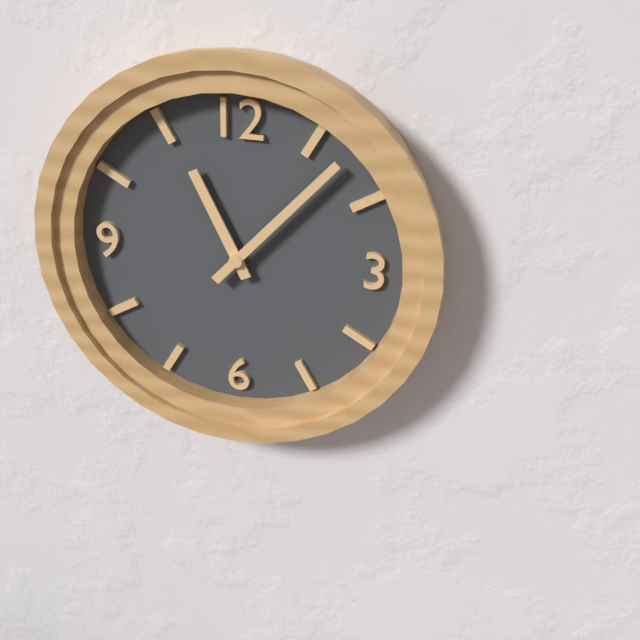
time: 11:07
